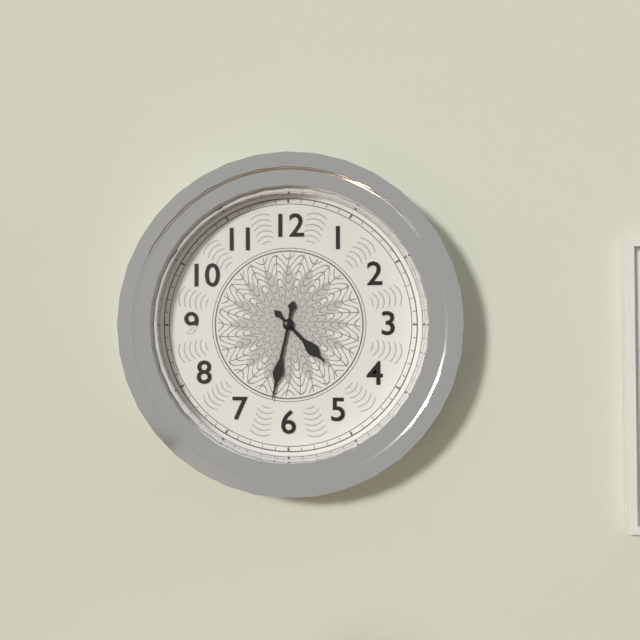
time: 4:32
